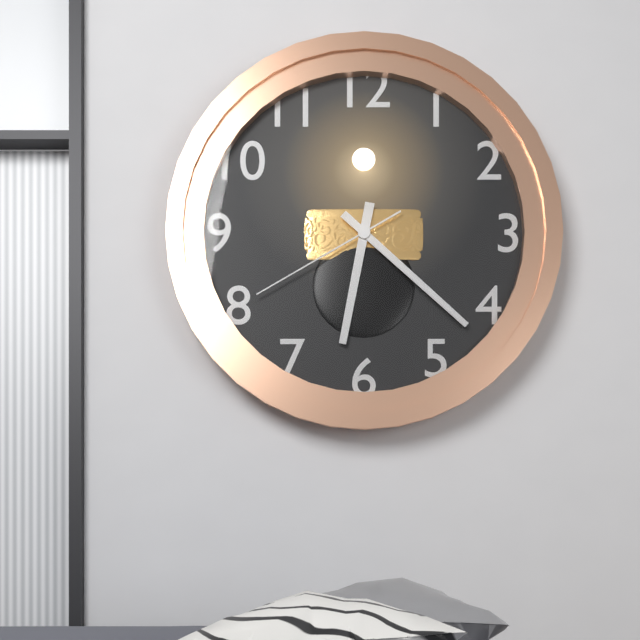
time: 6:22:40
